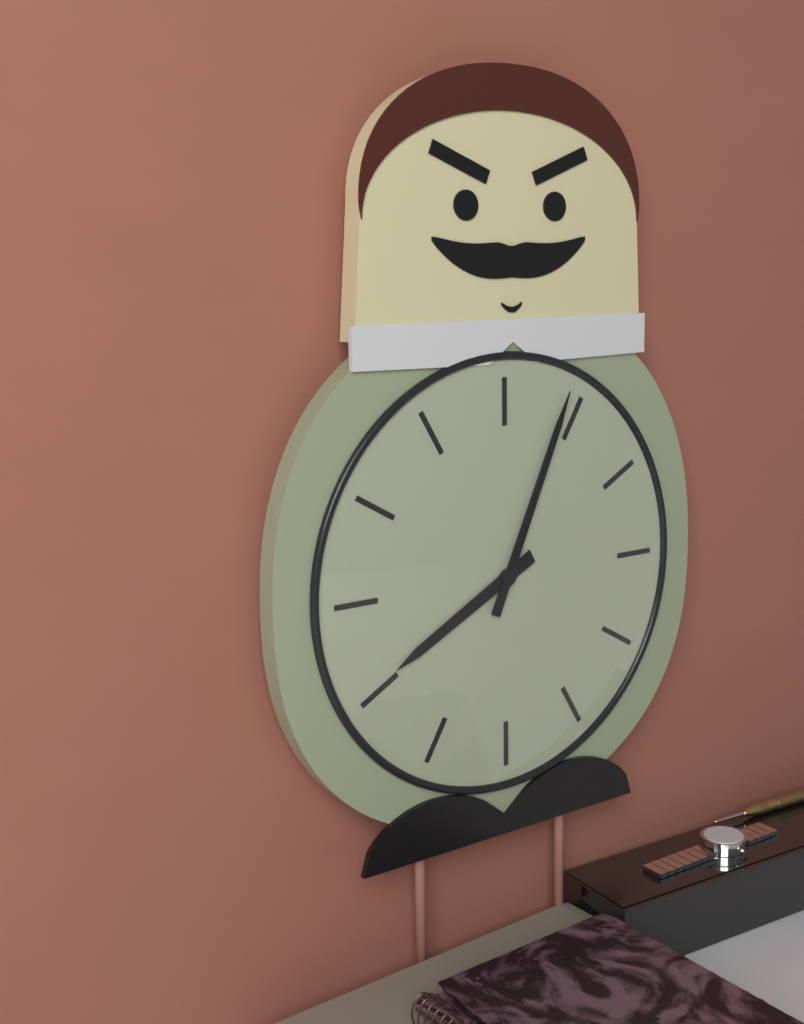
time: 8:04
